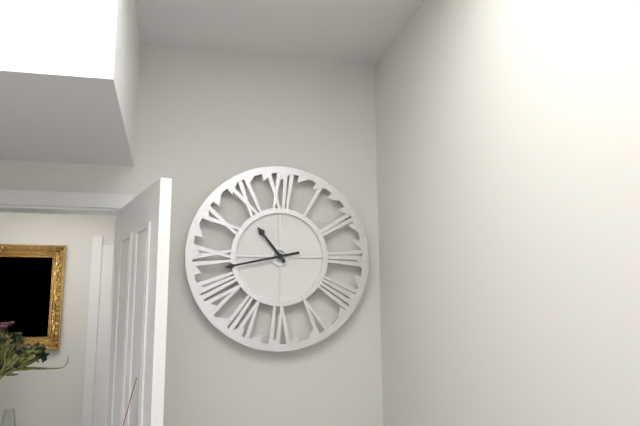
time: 10:43
